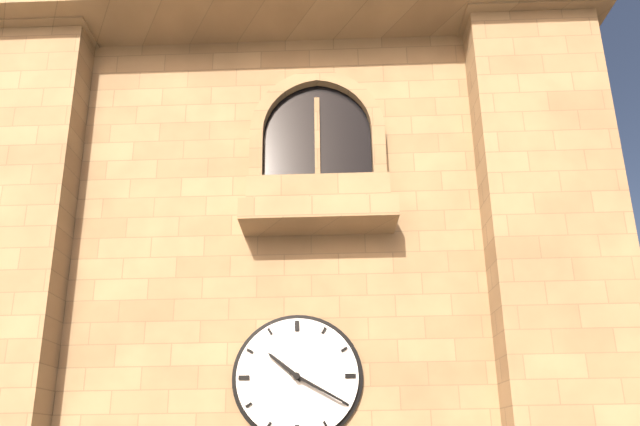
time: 10:20
